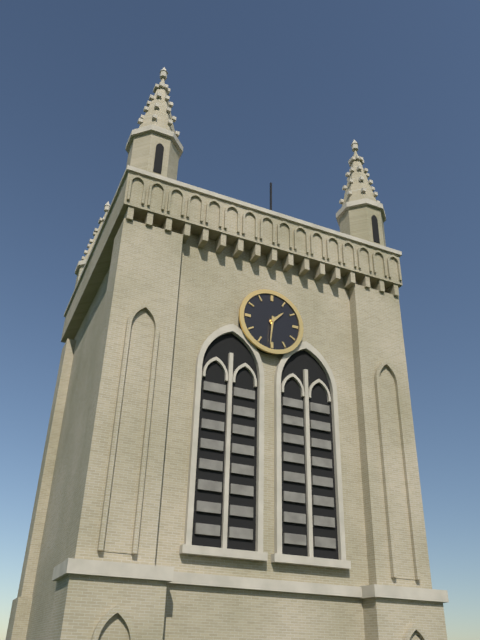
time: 1:31
